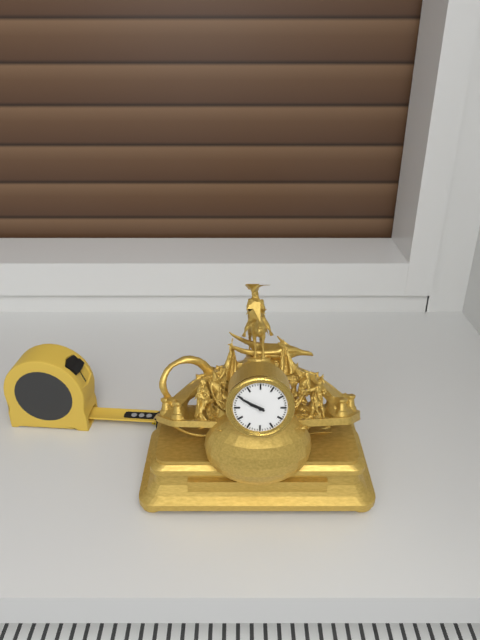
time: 9:50
